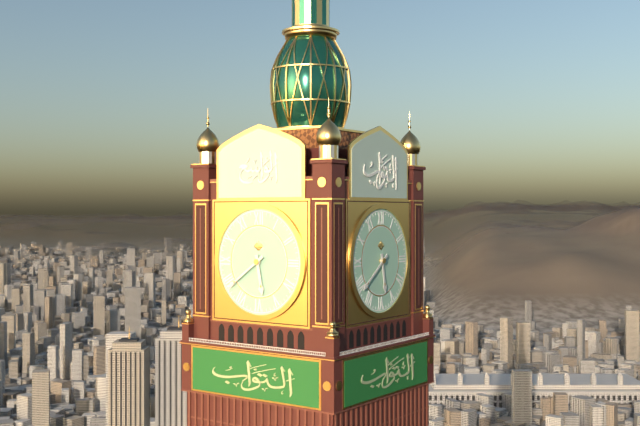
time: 5:39
